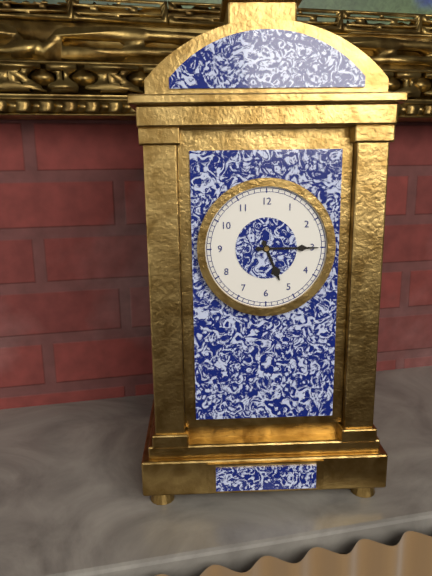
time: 5:15
